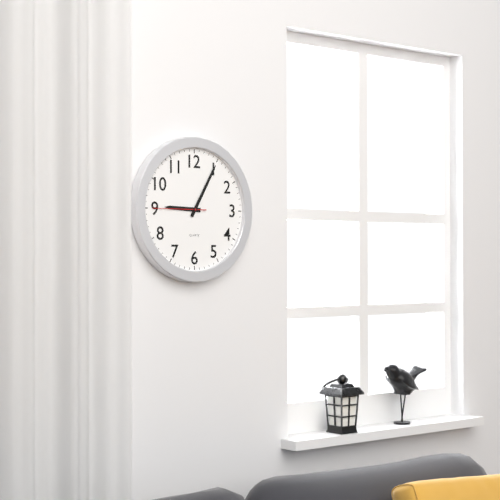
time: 9:05:45
